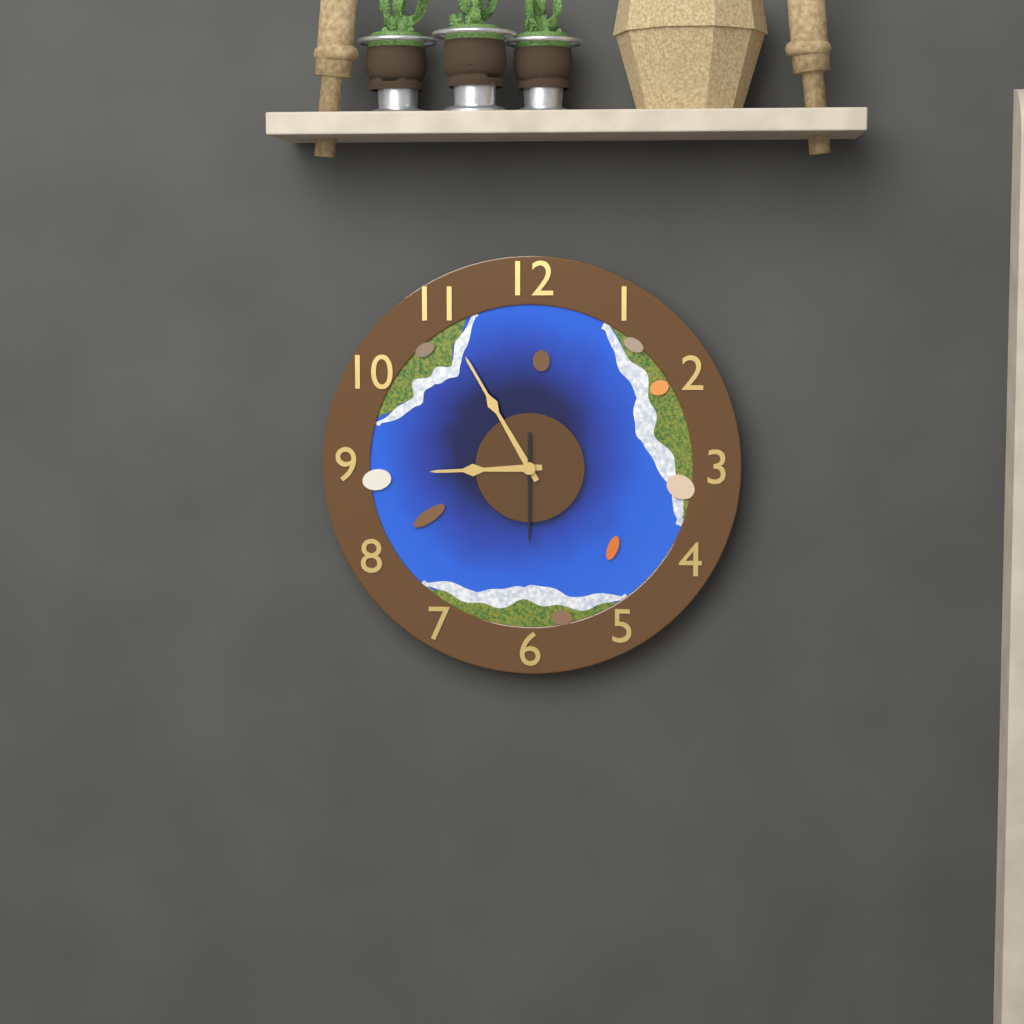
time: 8:55:30
